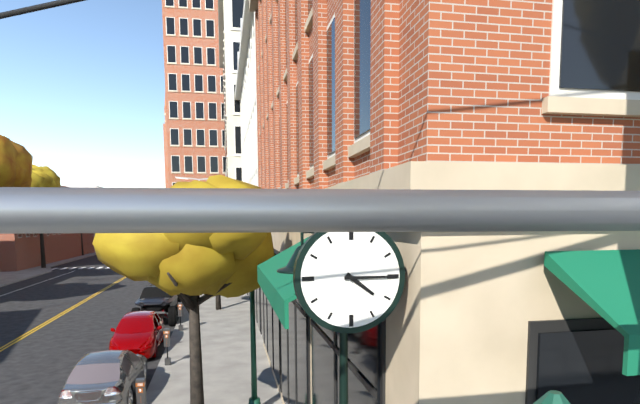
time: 4:15
